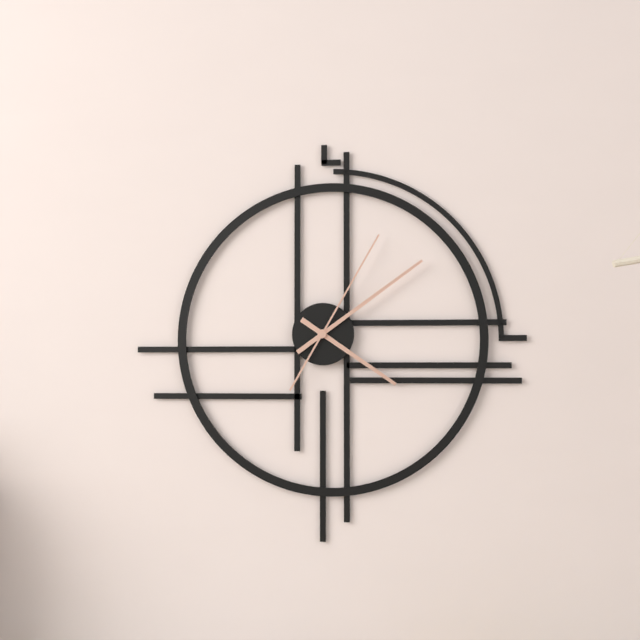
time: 4:09:05
